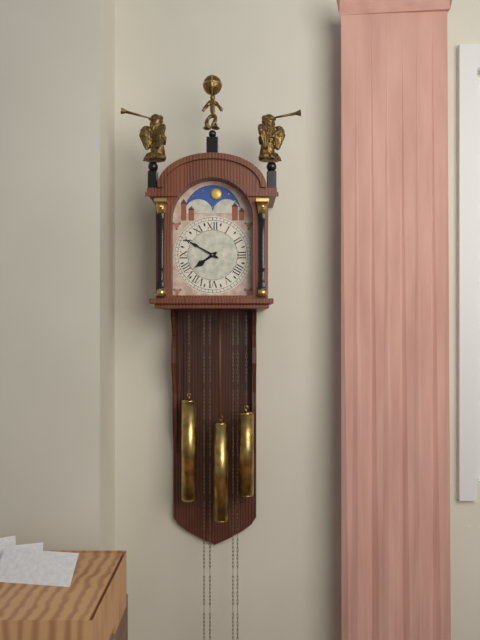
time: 7:50
